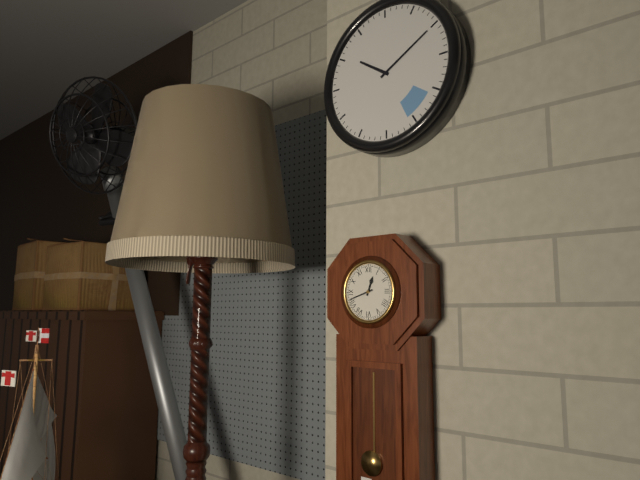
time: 12:42
